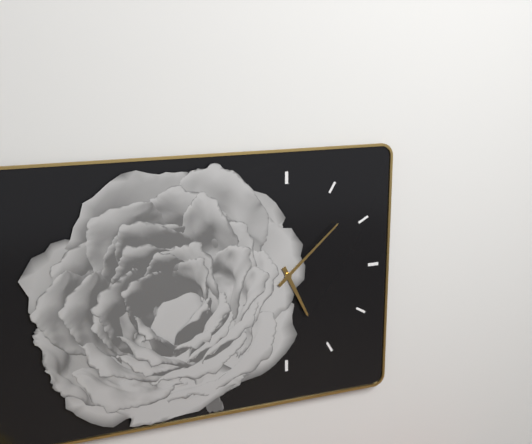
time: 5:08
